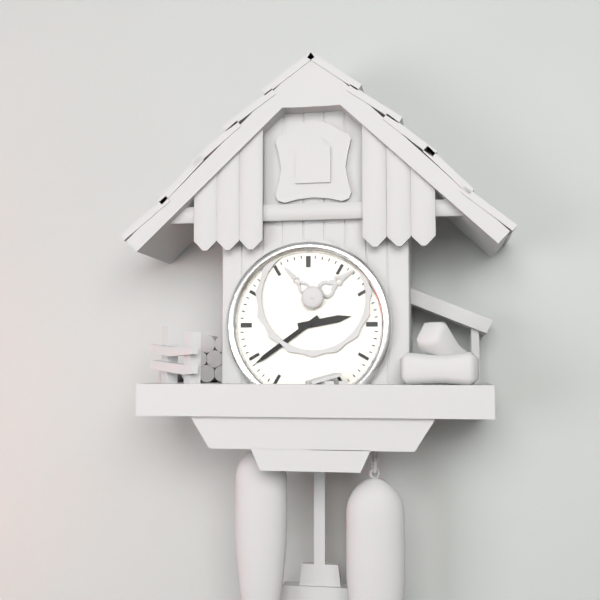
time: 2:39
